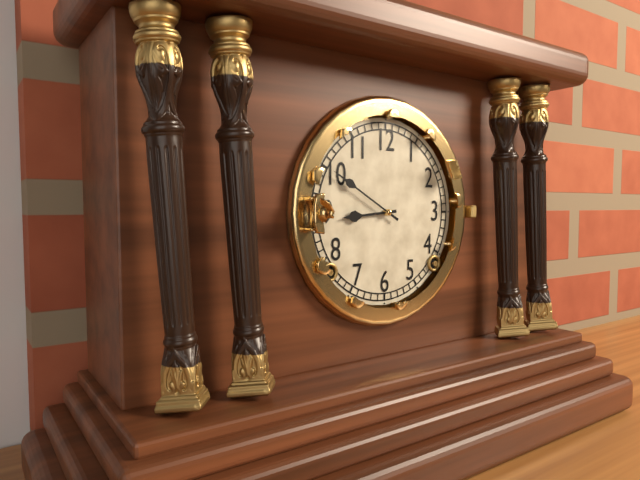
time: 8:50
